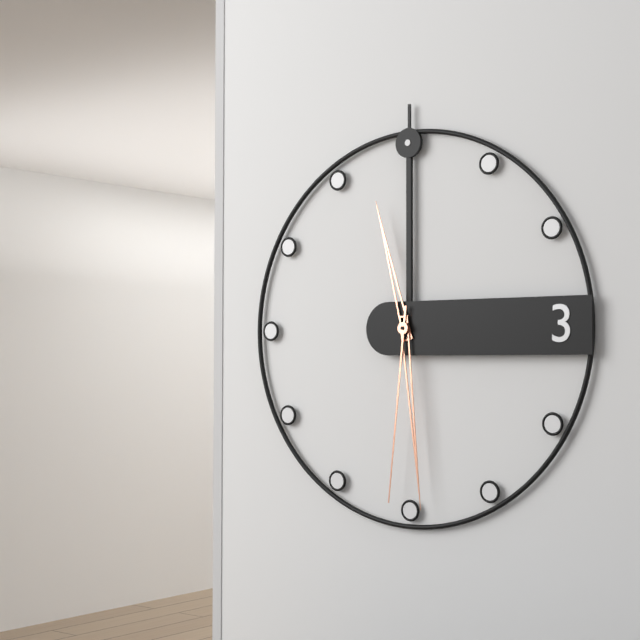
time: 11:29:31
